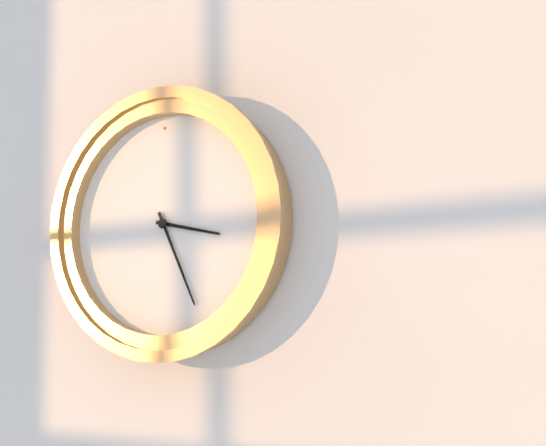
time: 3:26
